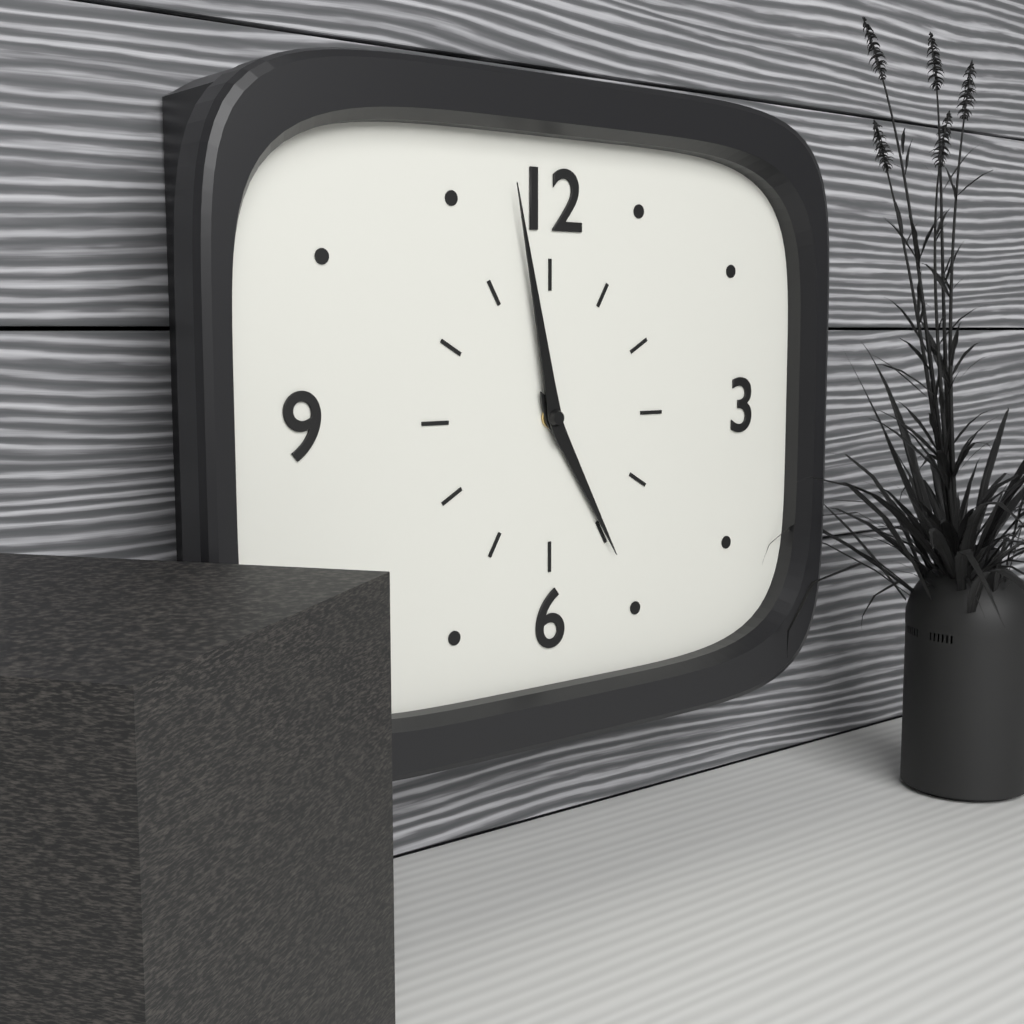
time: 4:58
